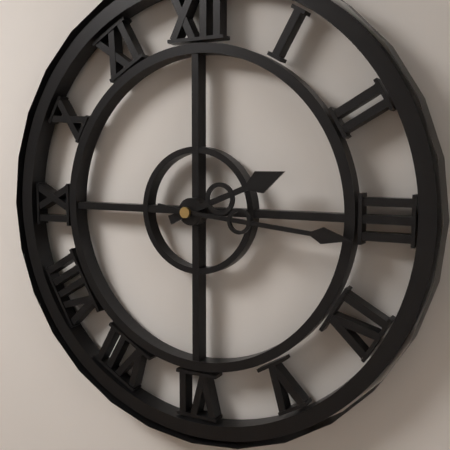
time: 2:16
